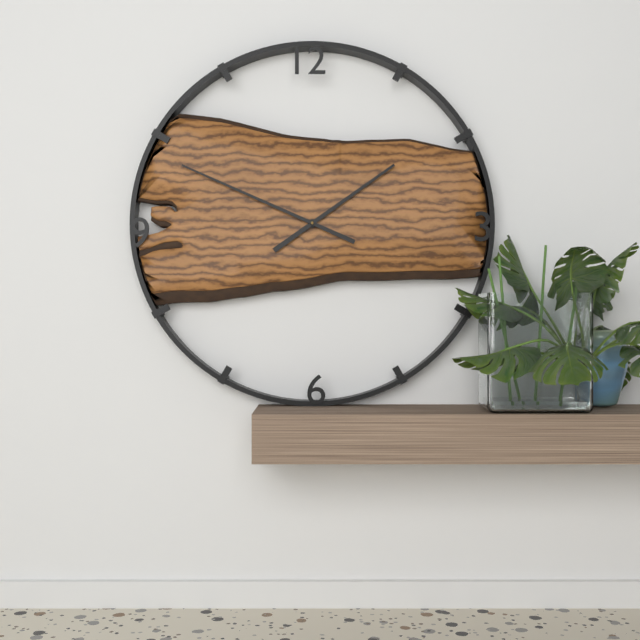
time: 1:49
